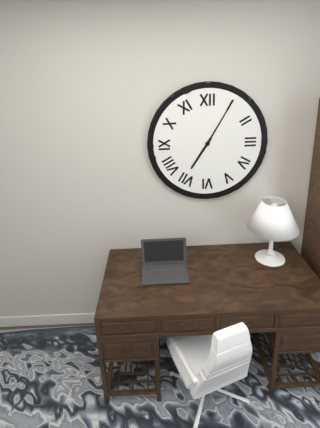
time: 7:05
